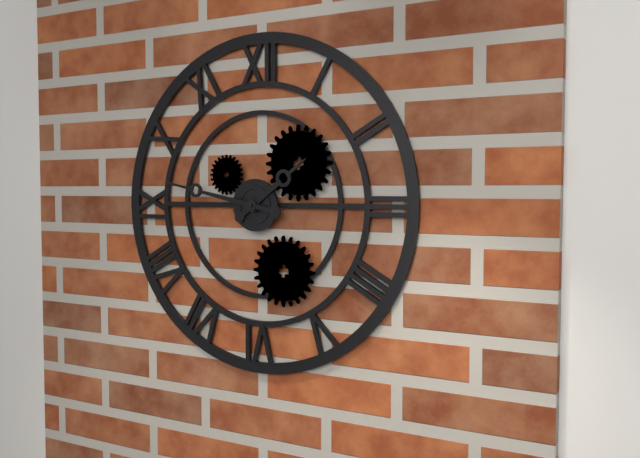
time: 1:47
